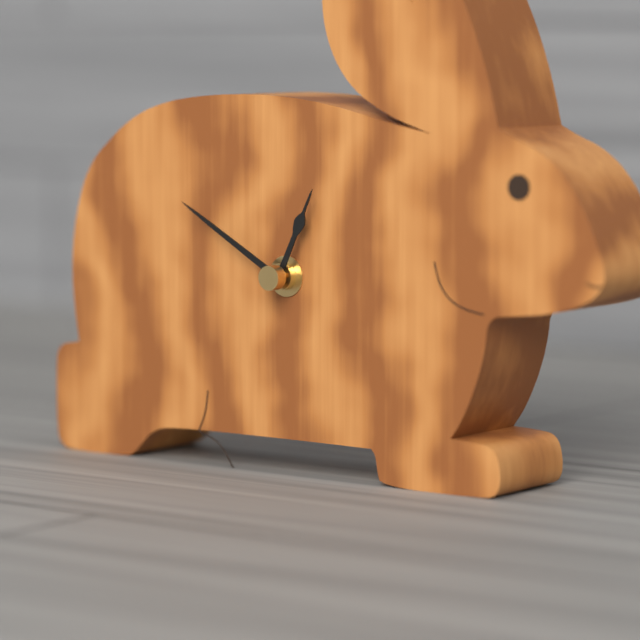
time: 12:50
